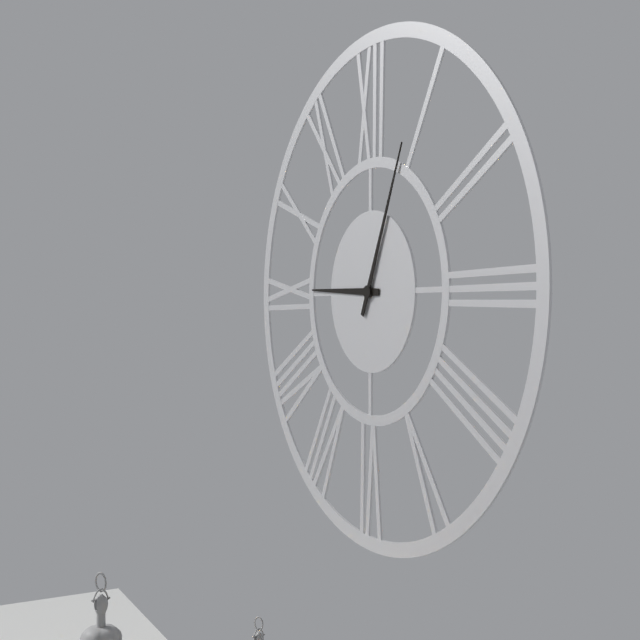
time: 9:04
